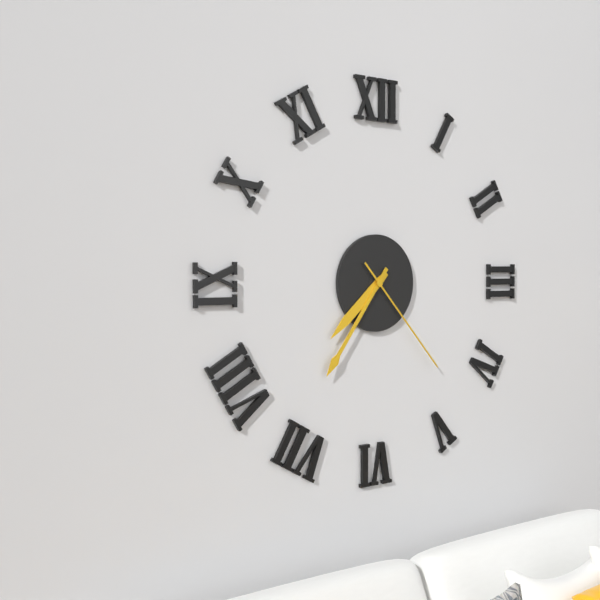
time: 7:36:23
